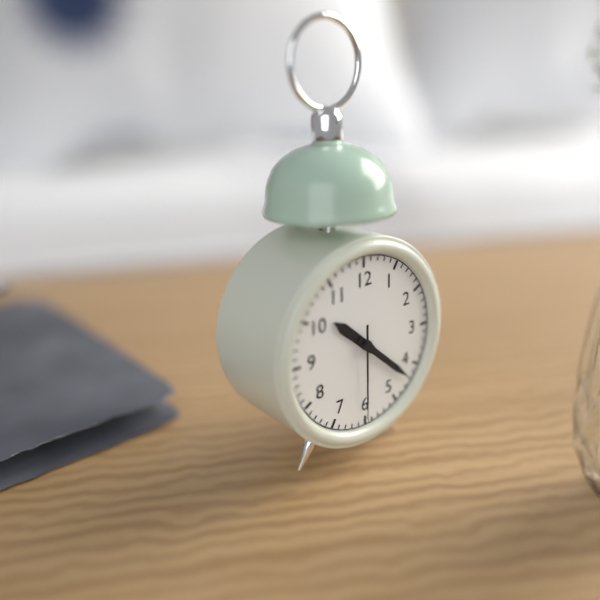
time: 10:22:30
